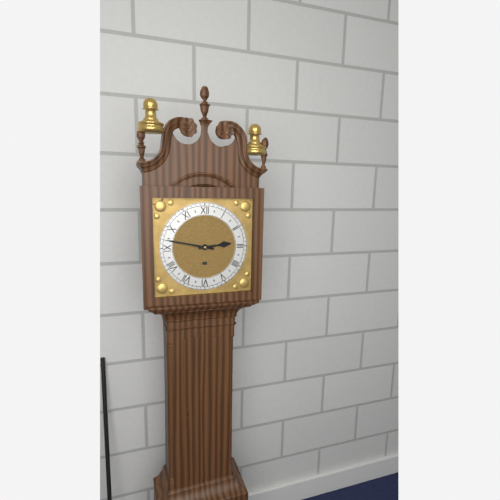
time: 2:47
